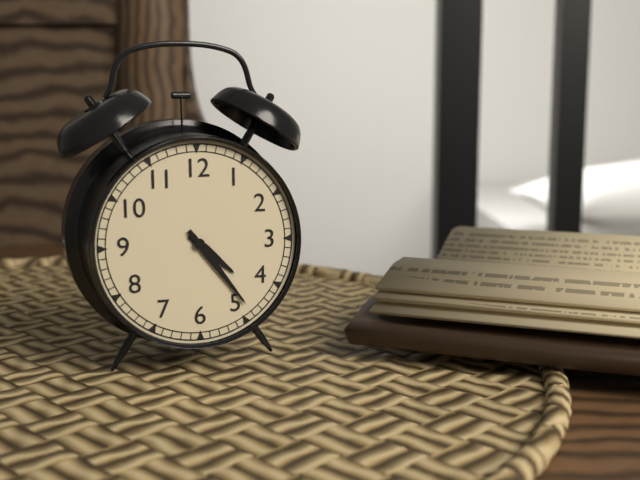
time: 4:24
